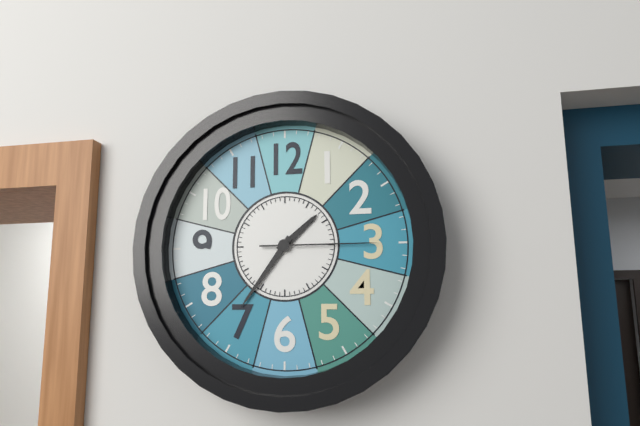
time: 1:36:15
